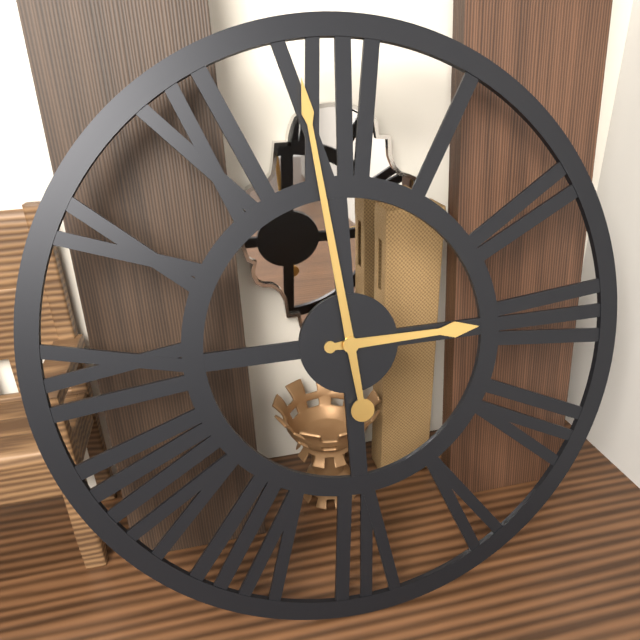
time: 2:59
